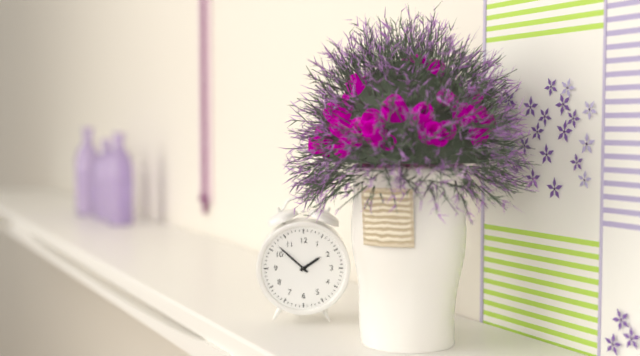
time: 1:52
